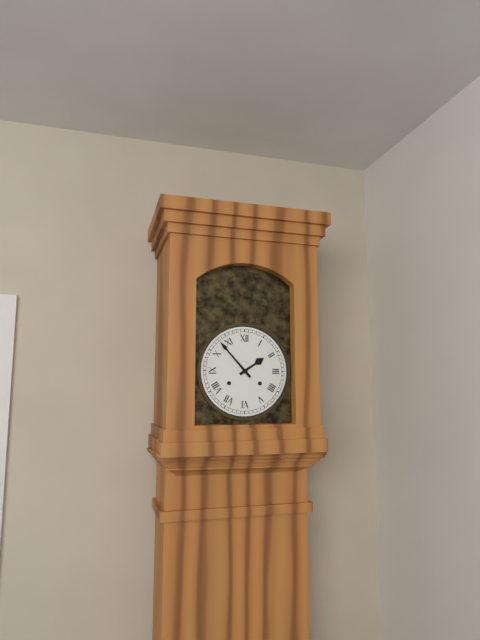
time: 1:53
